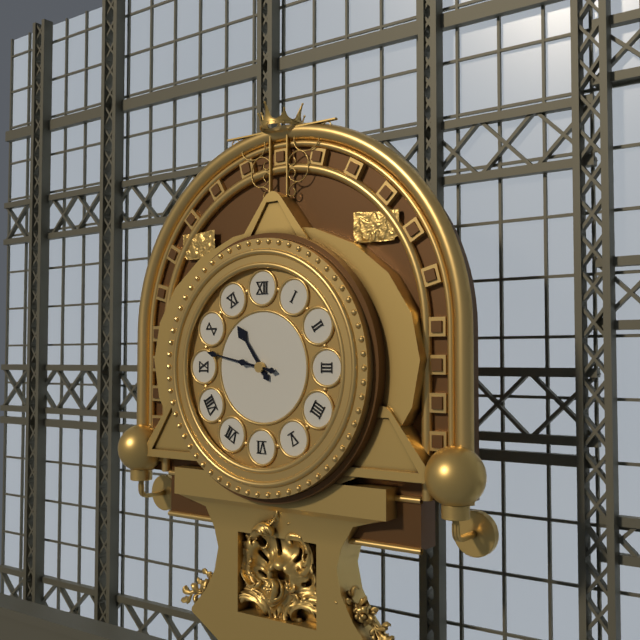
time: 10:47
